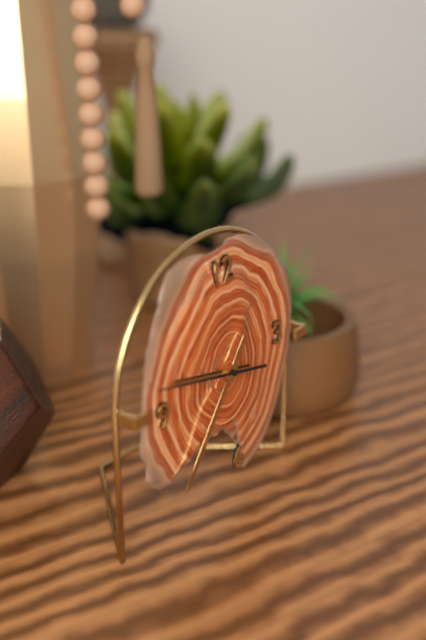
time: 9:37:48
